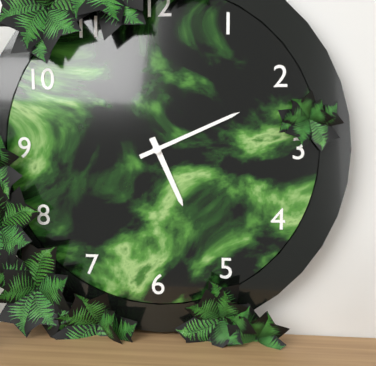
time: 5:11
